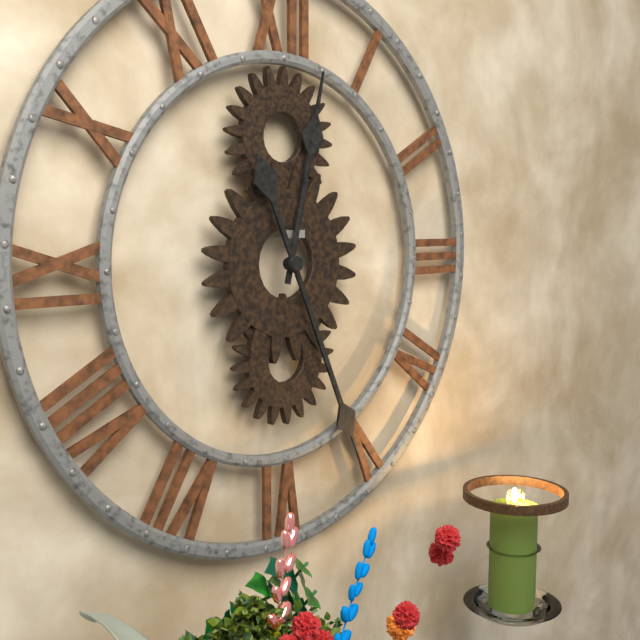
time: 12:26
